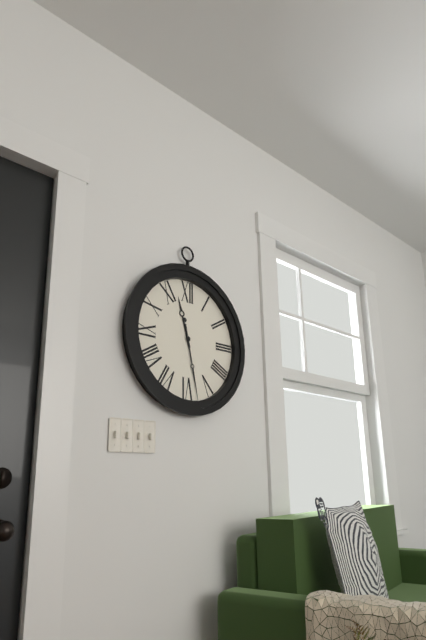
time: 11:28
